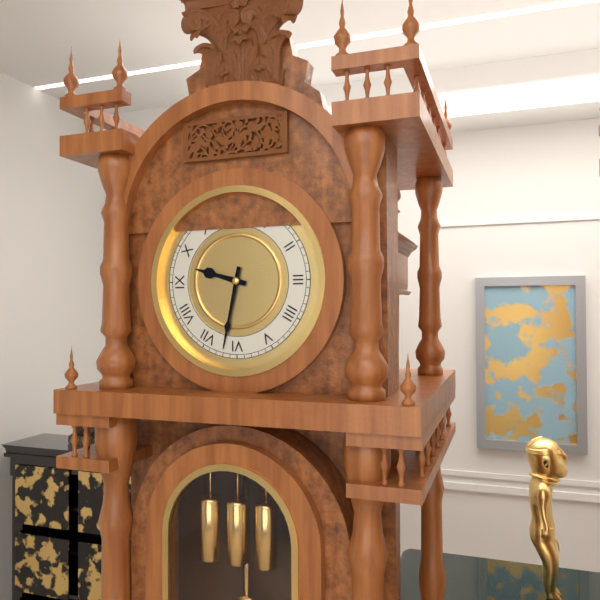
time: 9:32
